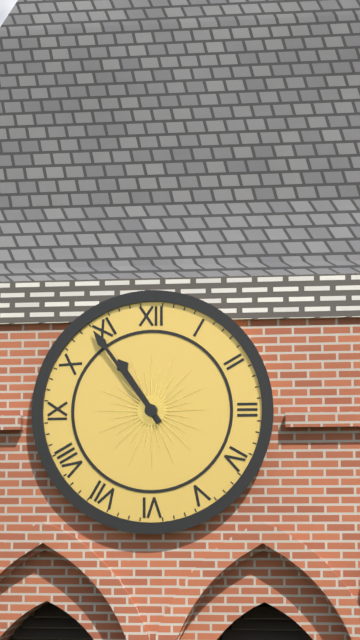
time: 10:54
